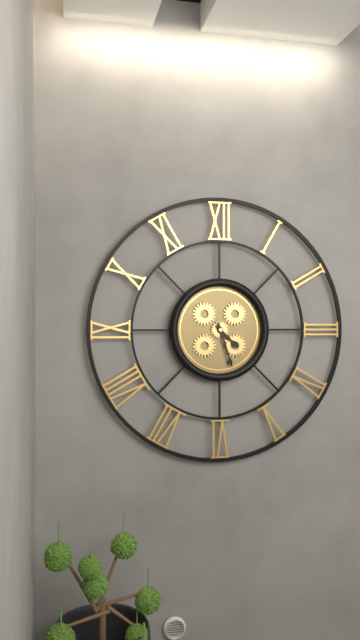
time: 4:27
